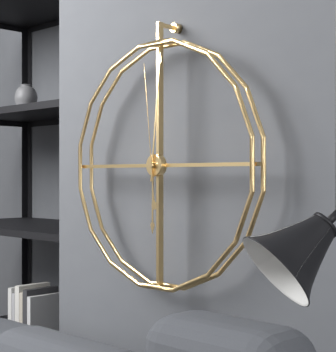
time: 6:01:59
